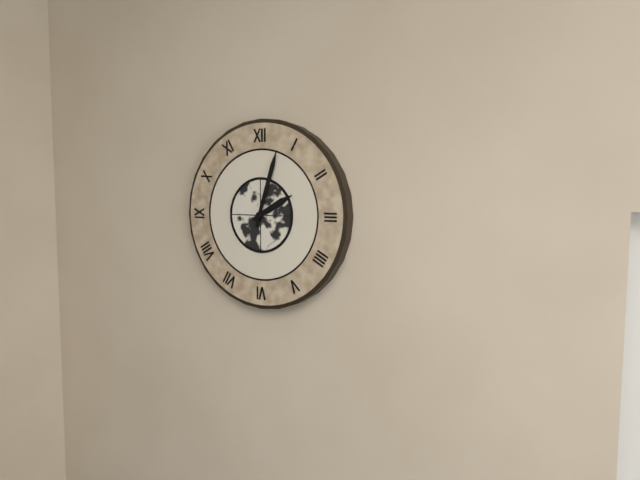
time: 2:03
